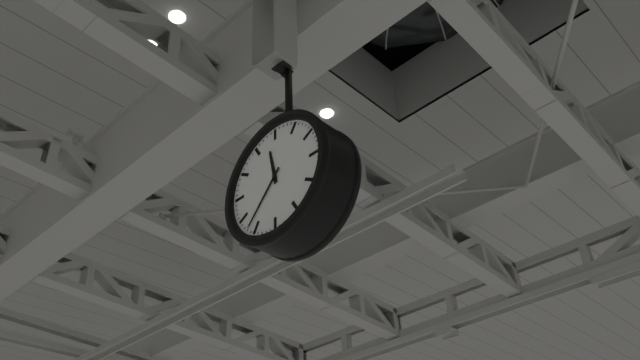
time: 11:37
